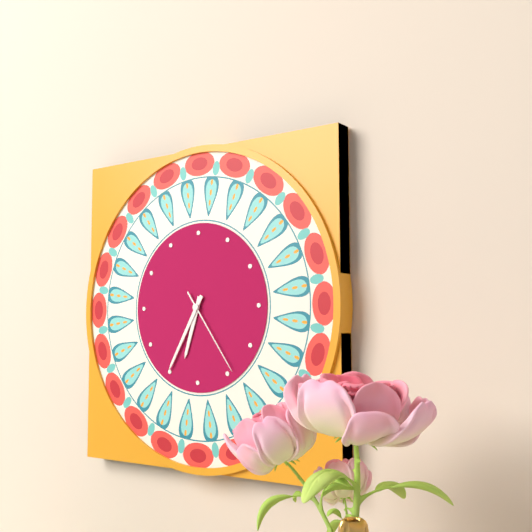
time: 6:35:24
